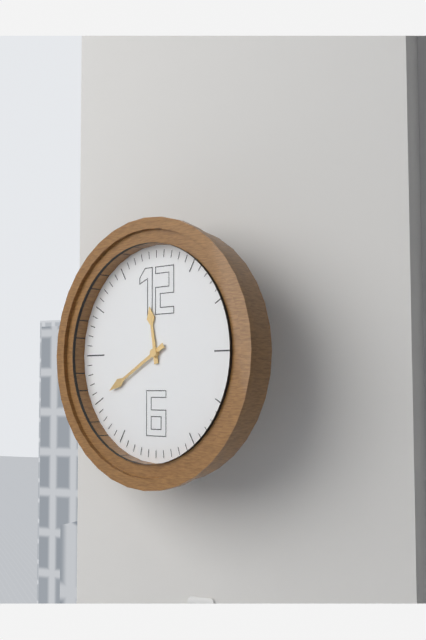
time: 11:40
